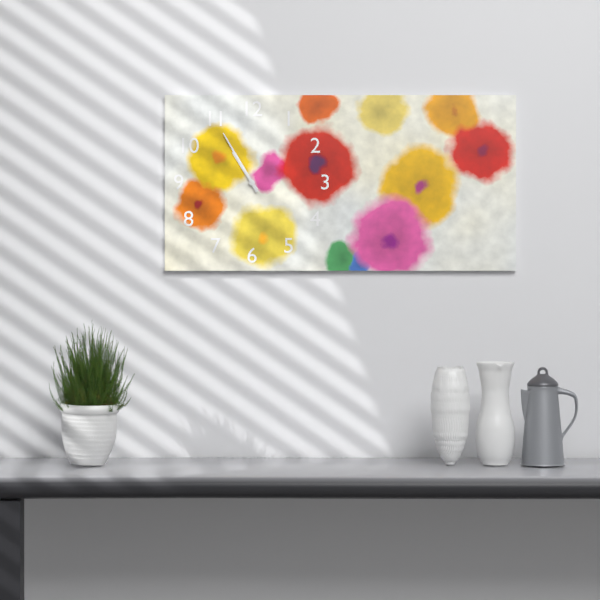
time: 10:55
